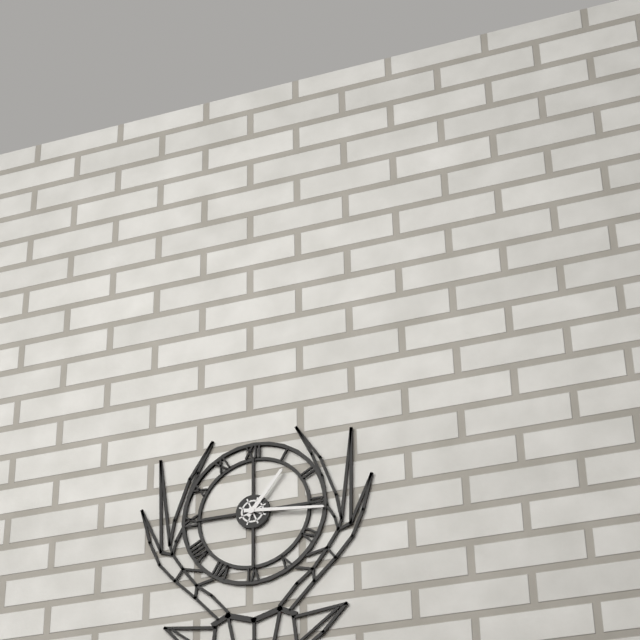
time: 1:16
